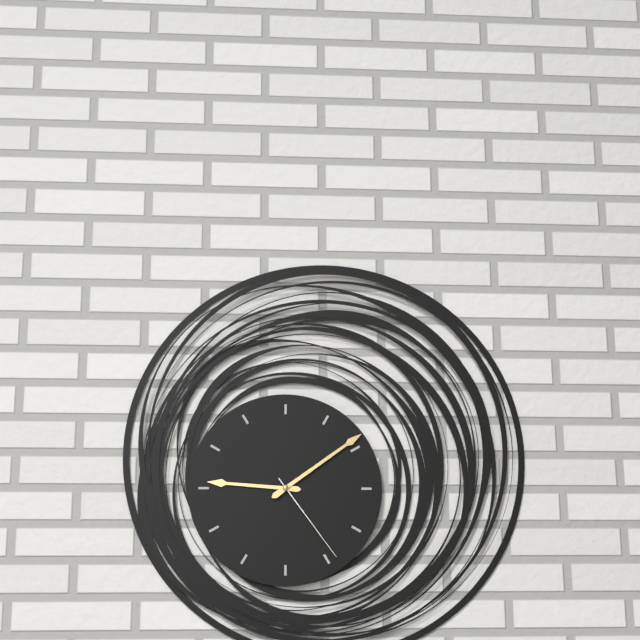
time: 9:09:24
